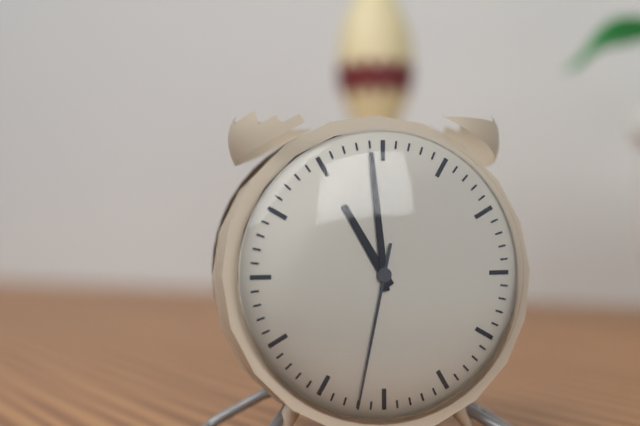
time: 10:59:32
